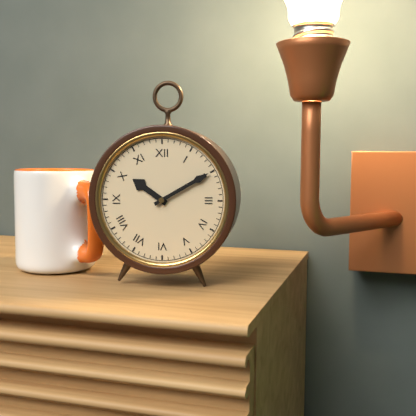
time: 10:10
